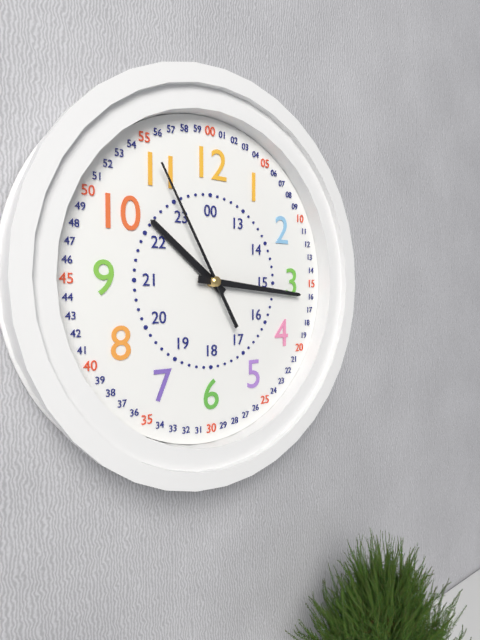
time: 10:16:55
